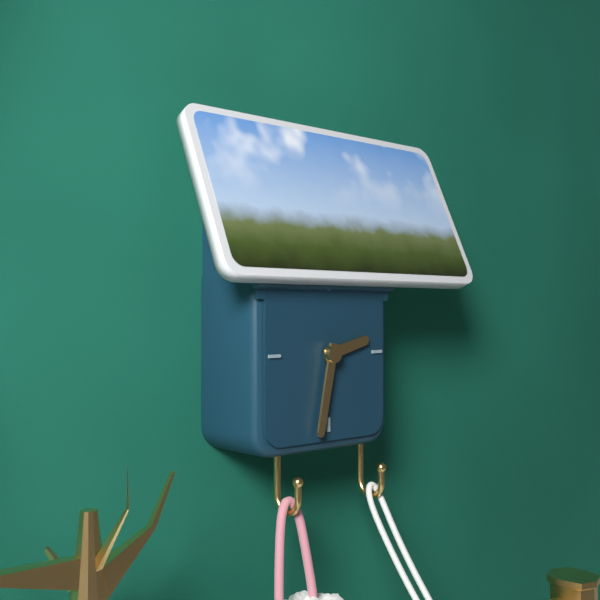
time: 2:32
